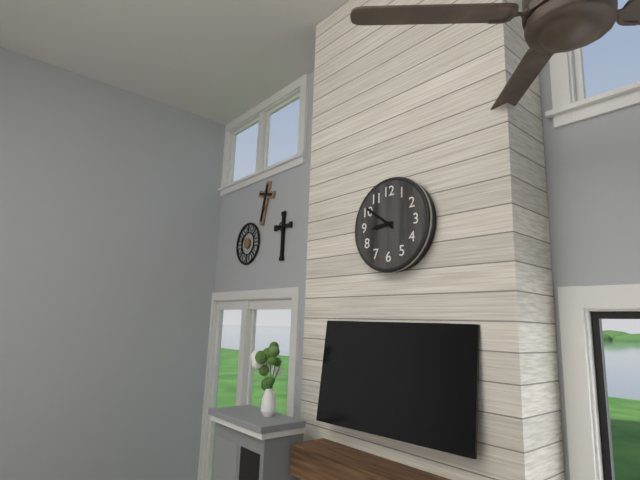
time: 8:51
